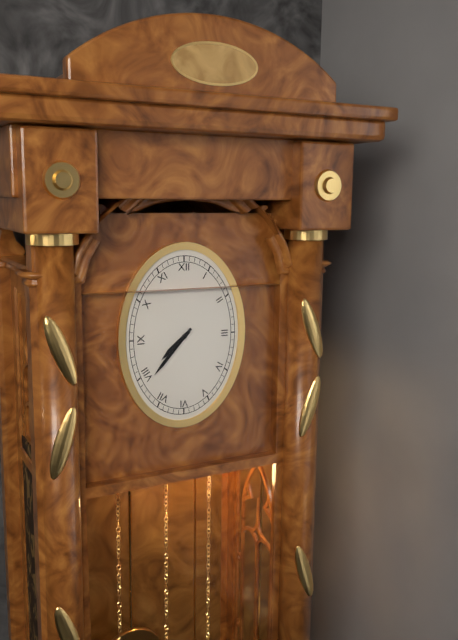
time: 7:37
